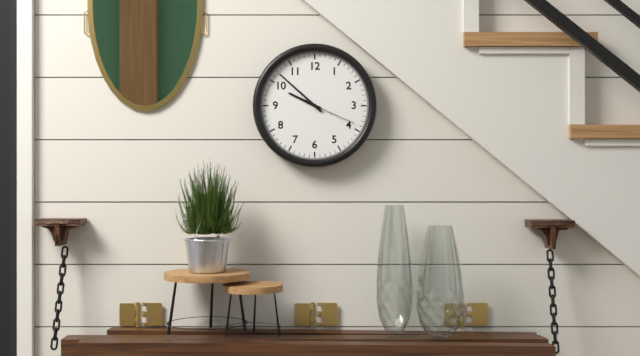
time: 9:52:19
